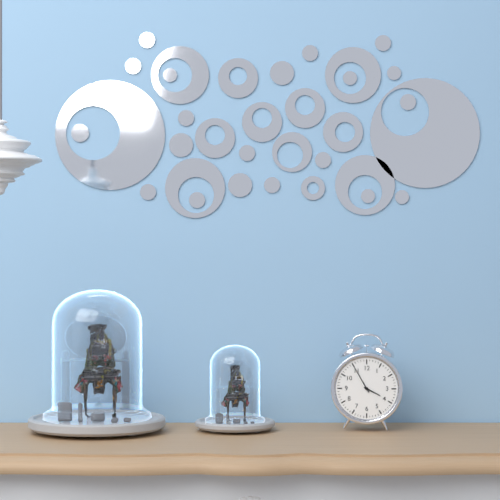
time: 3:55
